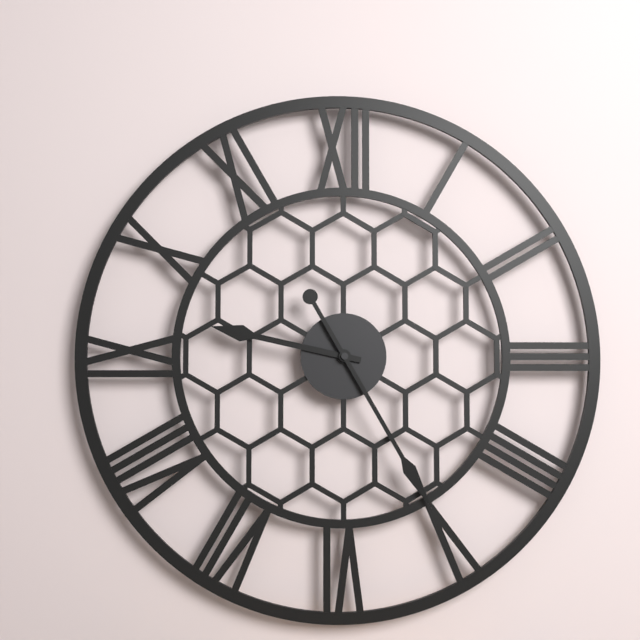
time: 9:25
